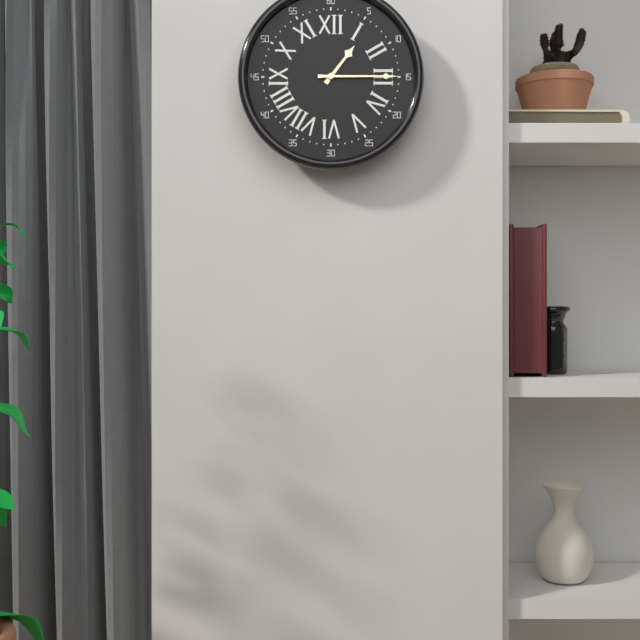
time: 1:15
